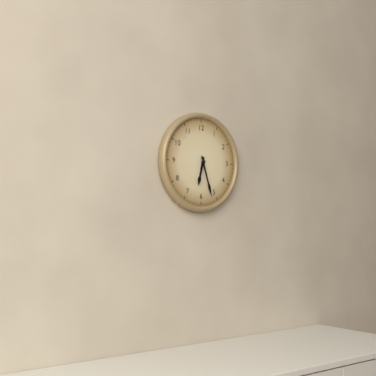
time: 6:27
